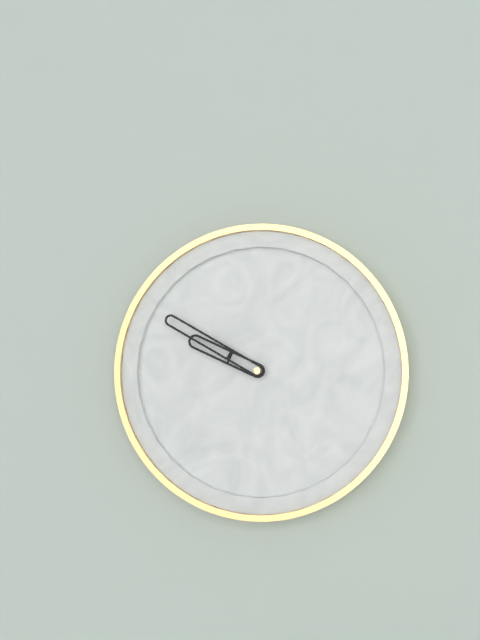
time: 9:50
